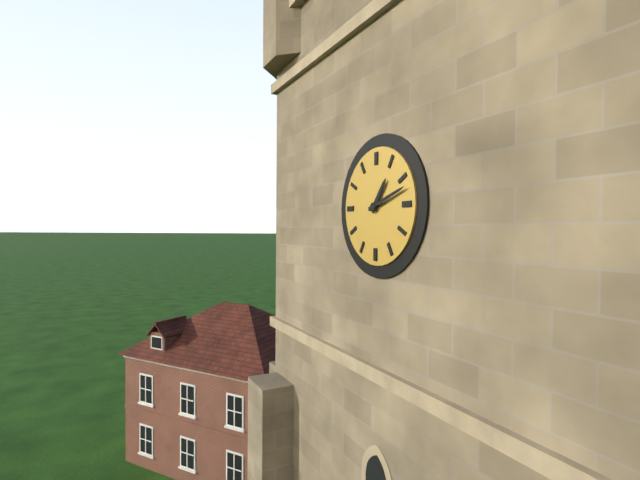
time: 1:12
